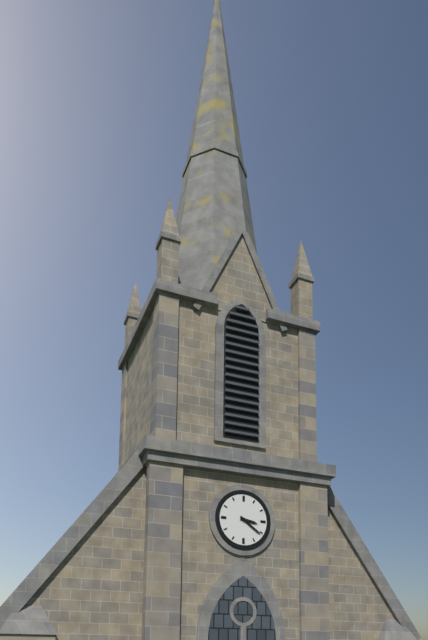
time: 3:21
